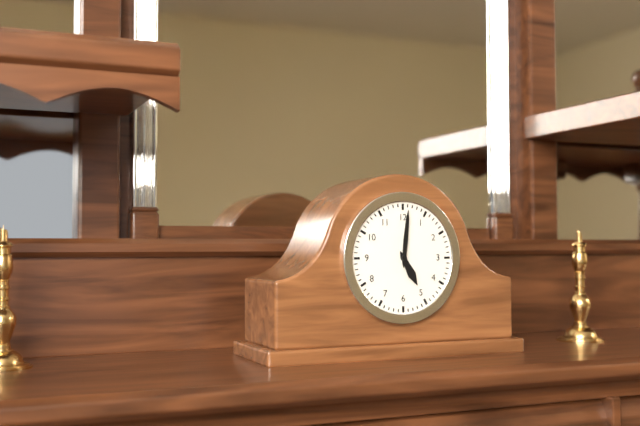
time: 5:01
